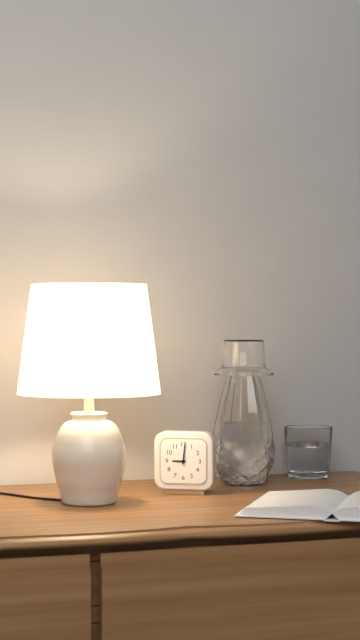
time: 9:01
